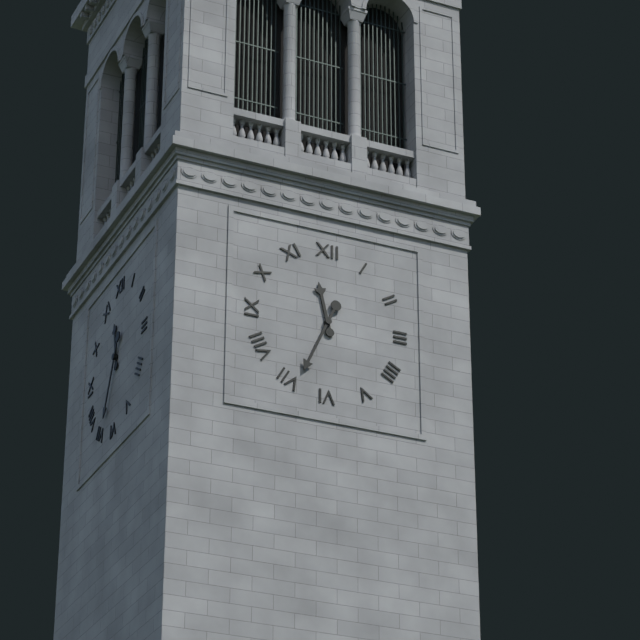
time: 11:34
